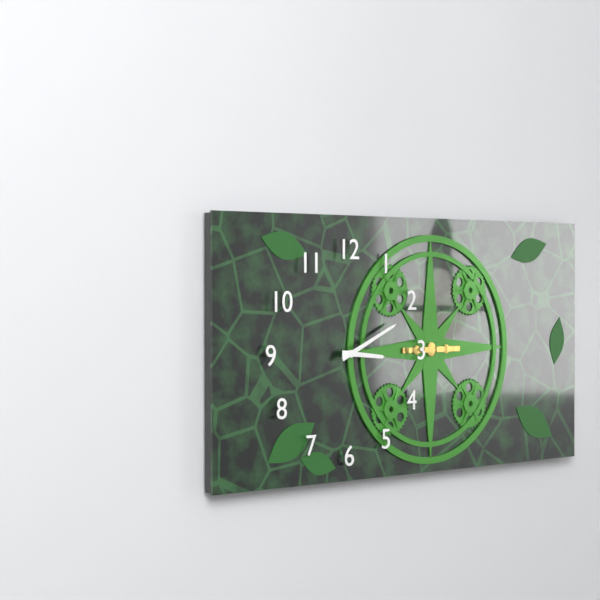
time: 3:11
